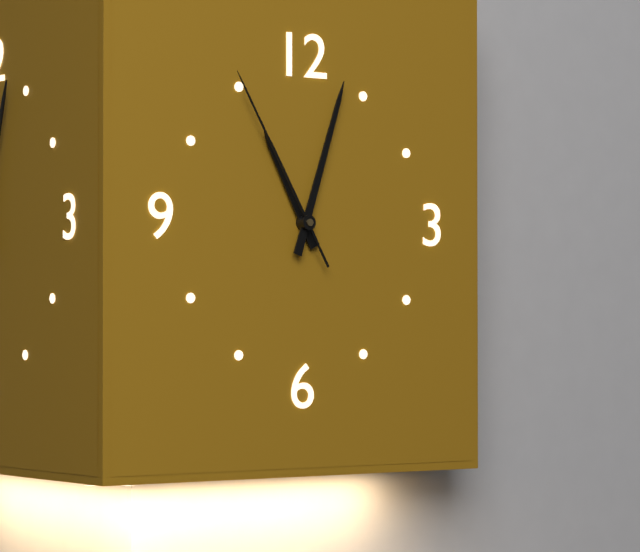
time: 11:03:55
